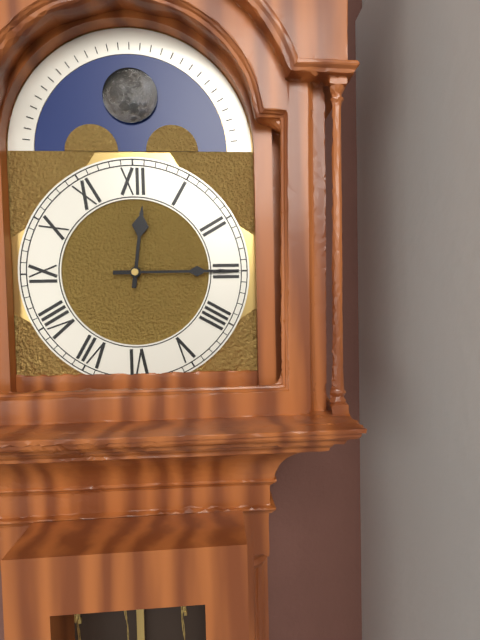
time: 12:15
